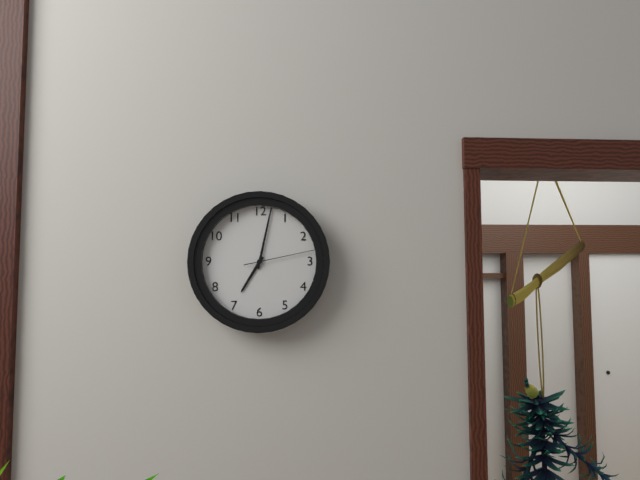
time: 7:02:13
